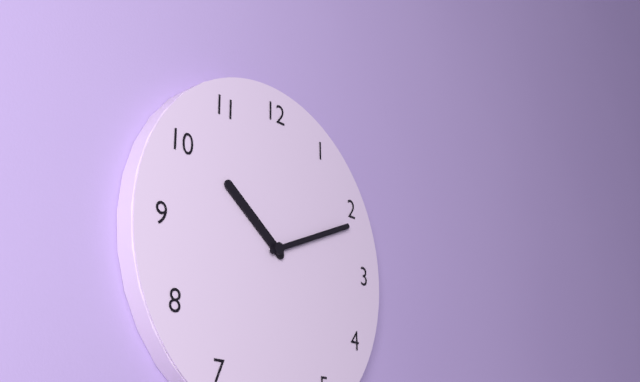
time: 10:11
